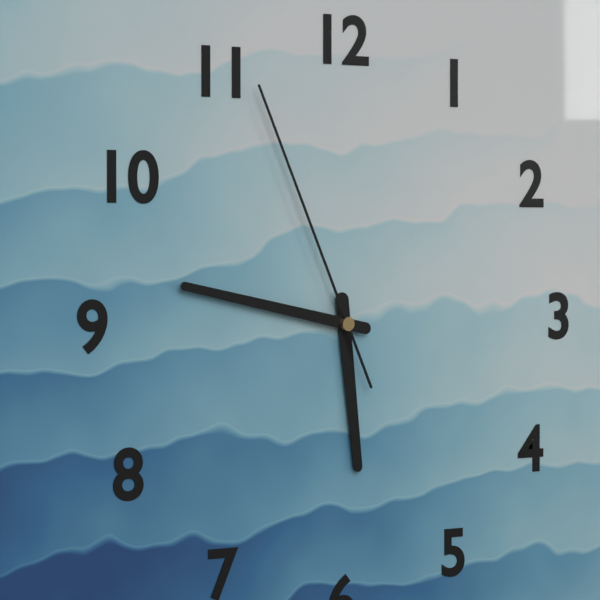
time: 5:47:56
